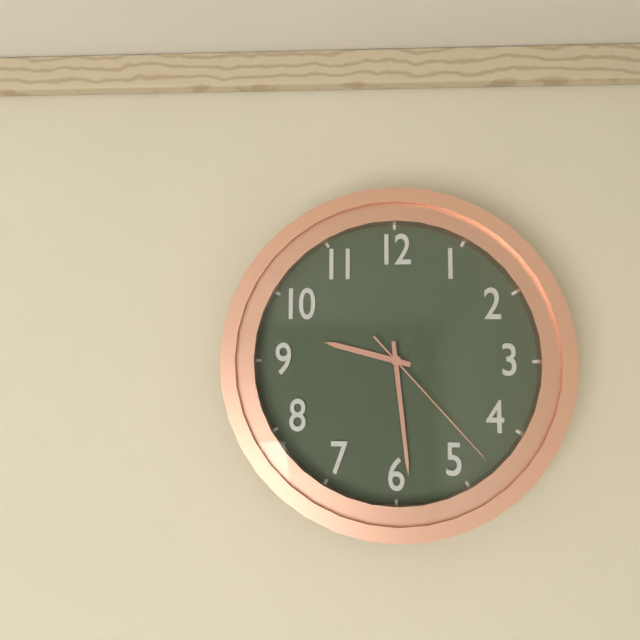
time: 9:29:23
